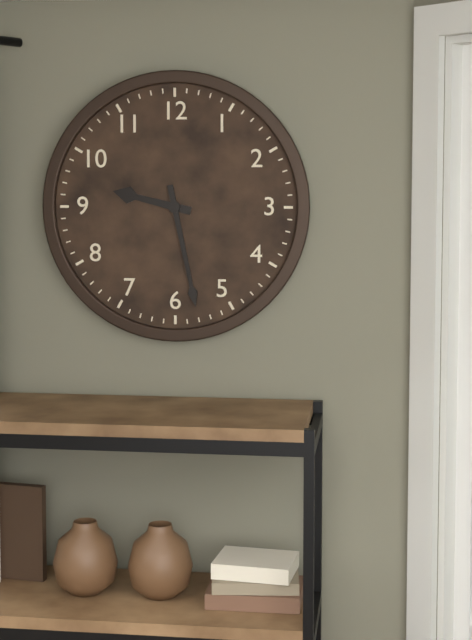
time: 9:28
